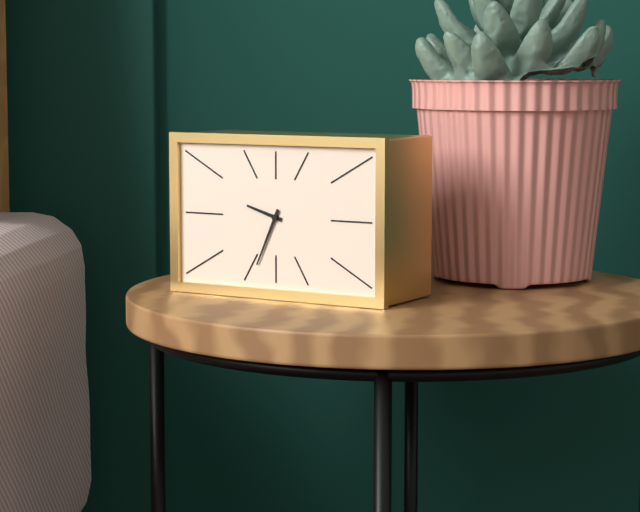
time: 9:34
